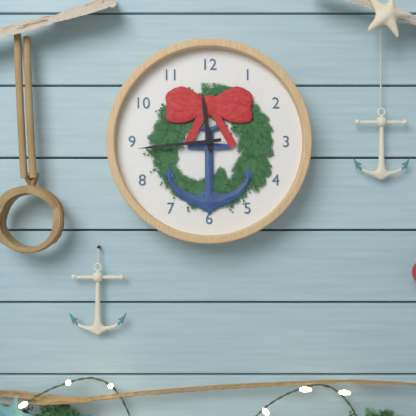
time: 11:44
